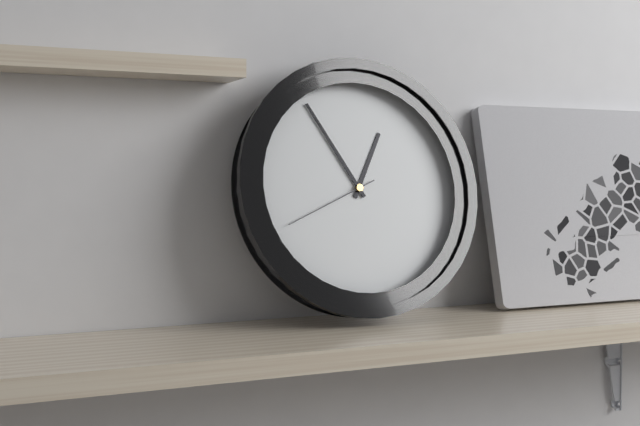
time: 12:55:41
